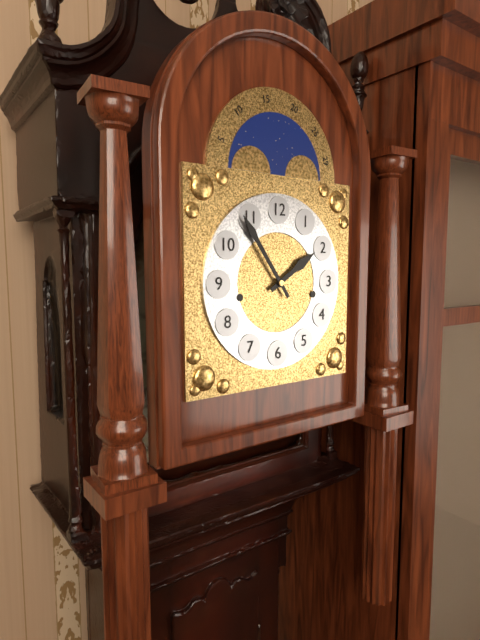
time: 1:54
